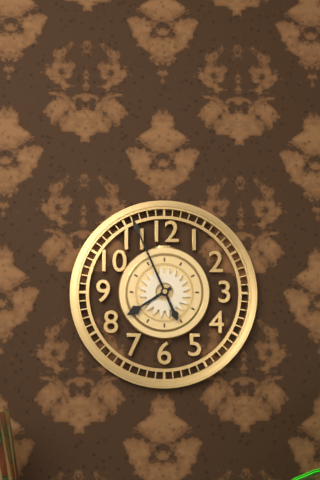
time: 7:56
